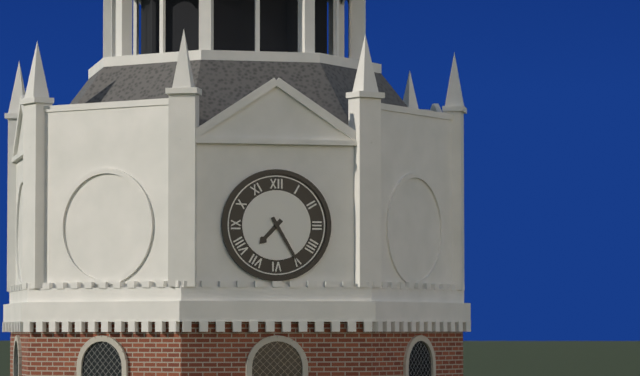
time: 7:25
